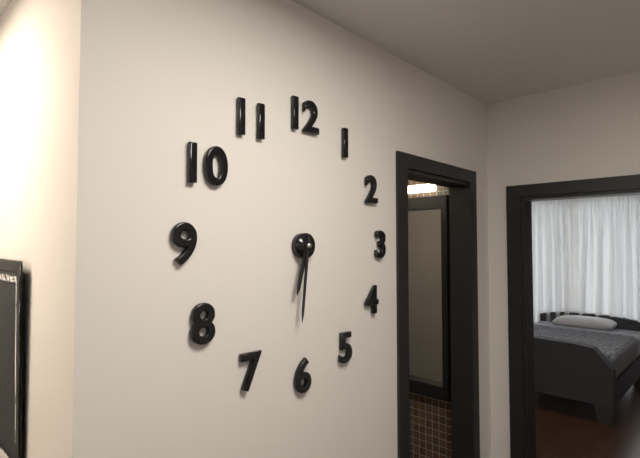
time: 6:31
